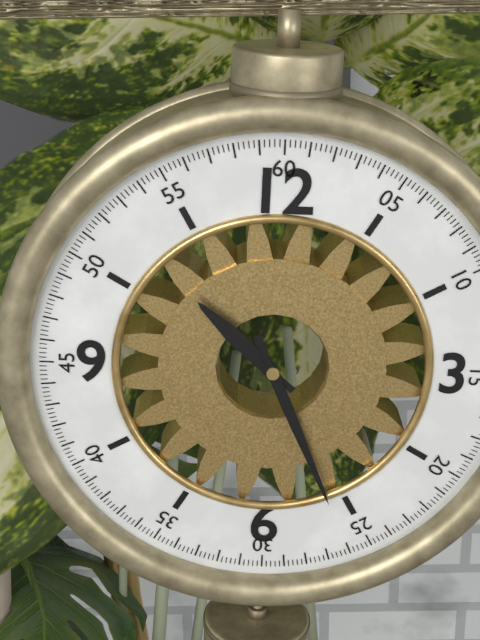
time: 10:26
